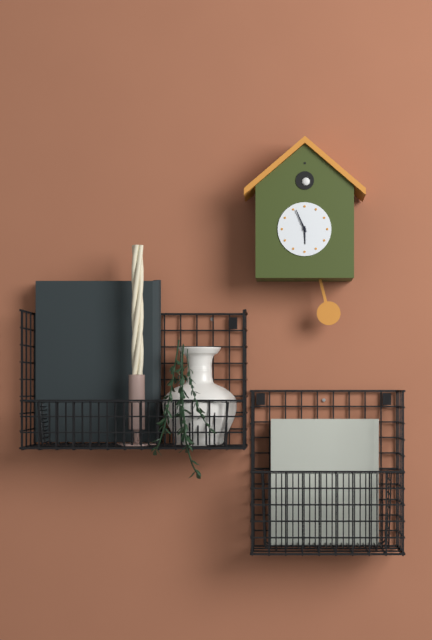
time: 5:56
